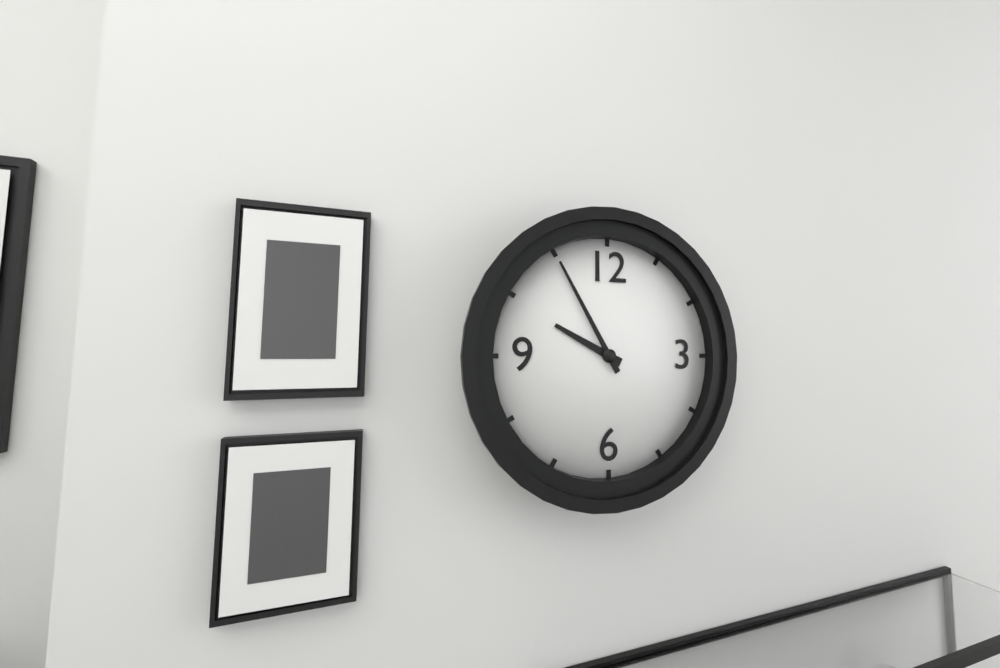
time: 9:55
